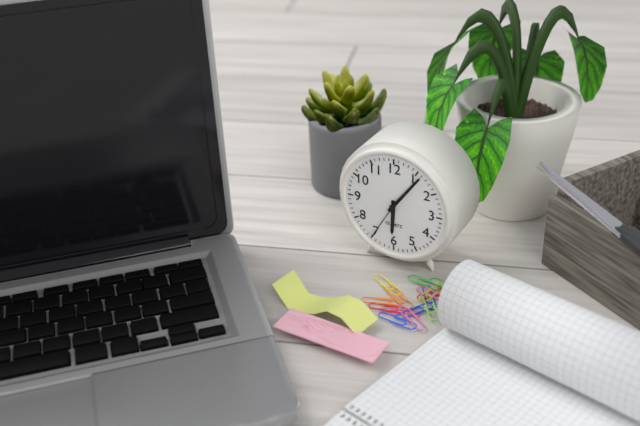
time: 6:06
